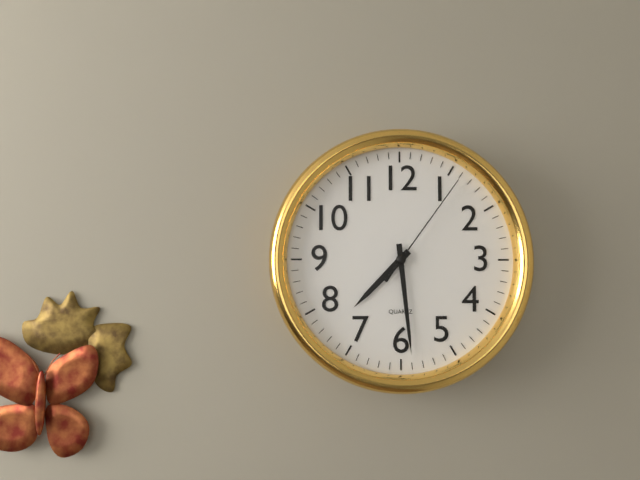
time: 7:29:06
